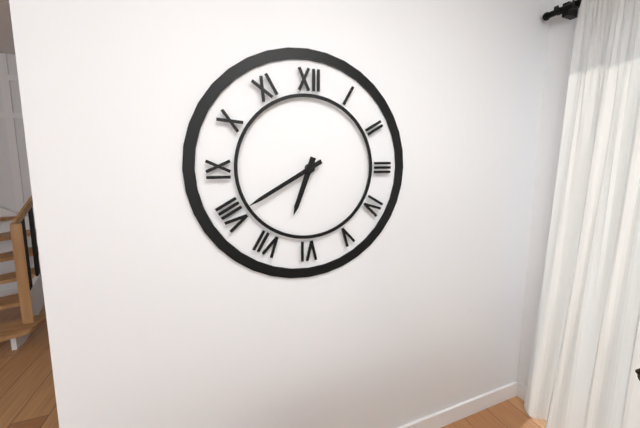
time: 6:40
